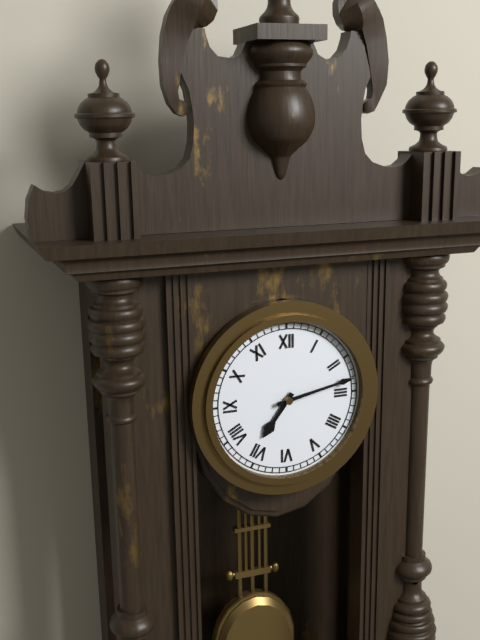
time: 7:13
